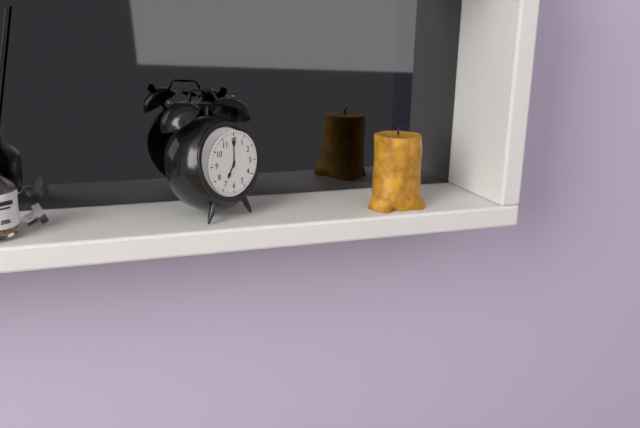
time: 7:00
